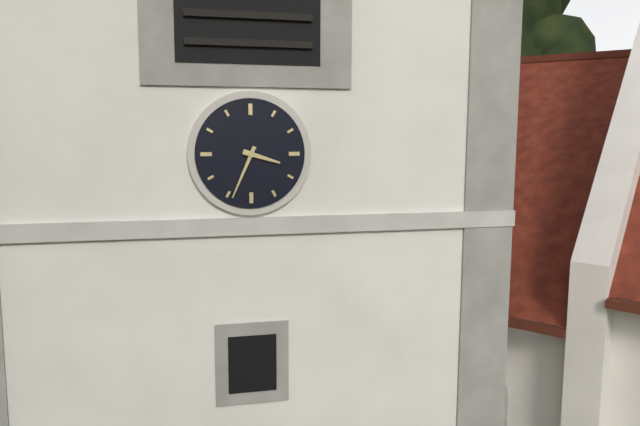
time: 3:34
